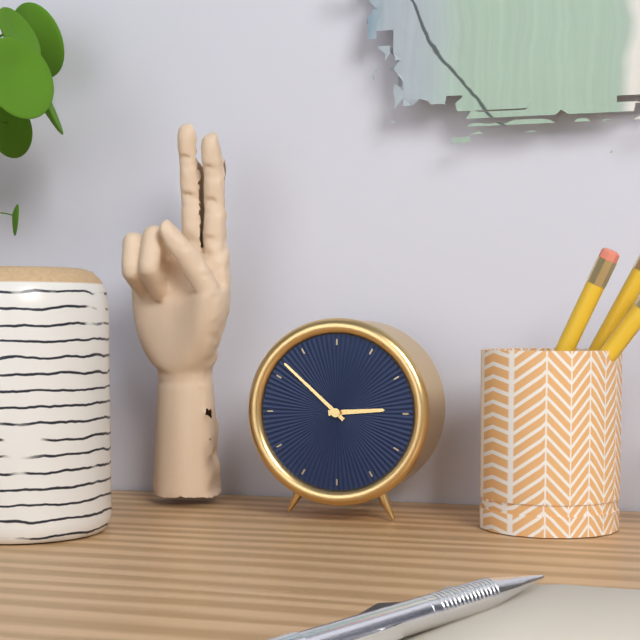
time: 2:52
